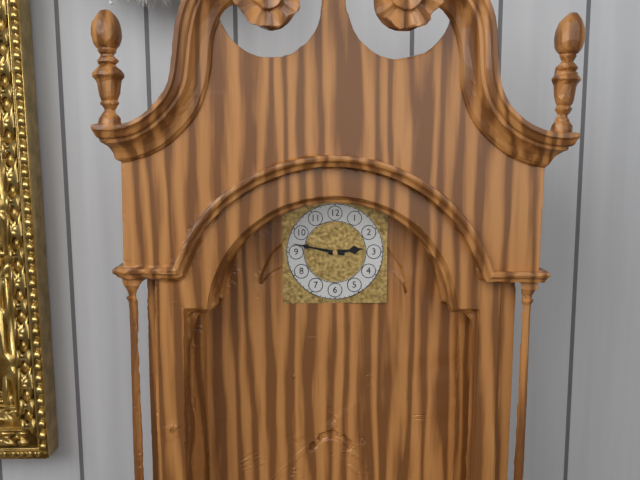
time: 2:47
